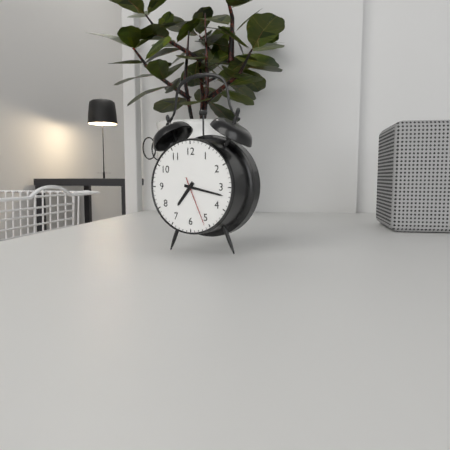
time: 7:17:26
